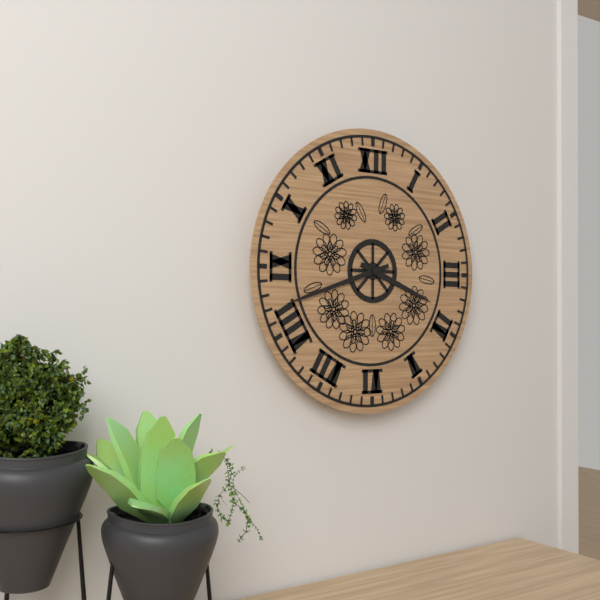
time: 3:42
